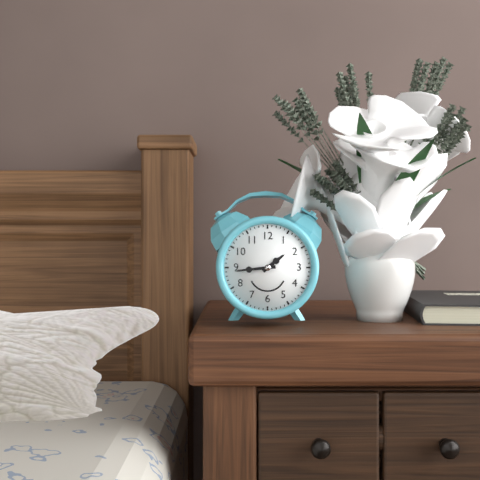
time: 1:44
